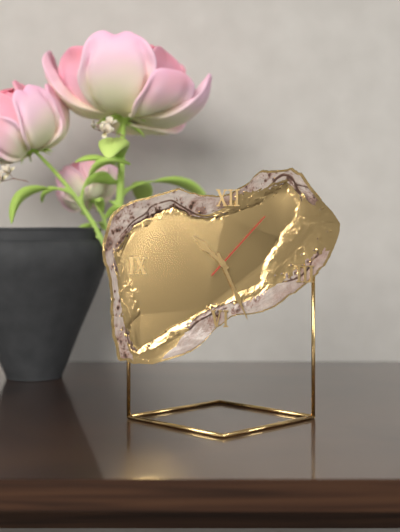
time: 10:26:07
